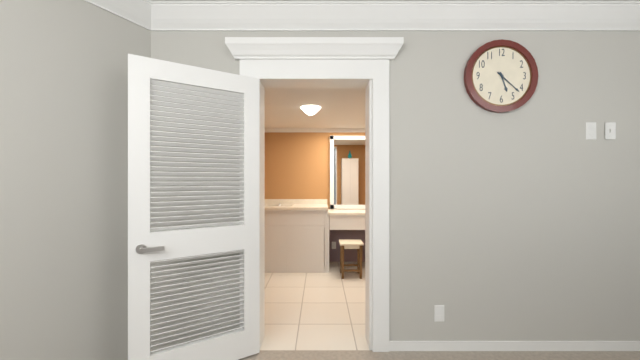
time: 5:22
